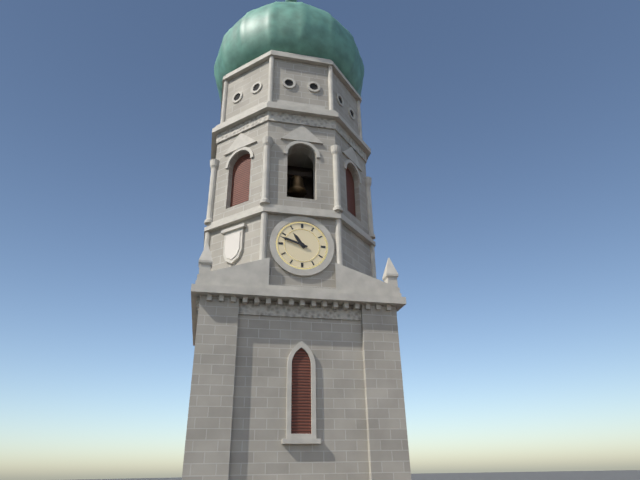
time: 10:48
